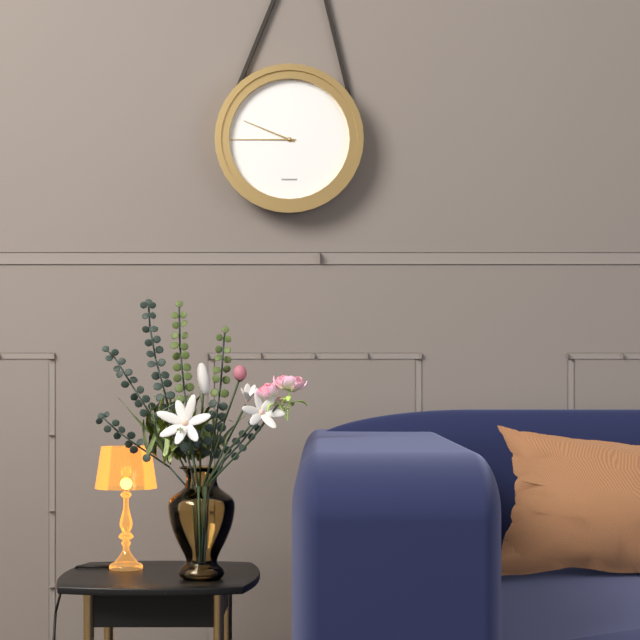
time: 9:45
